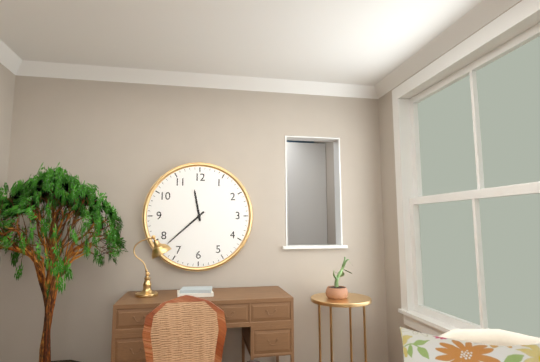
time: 11:38
